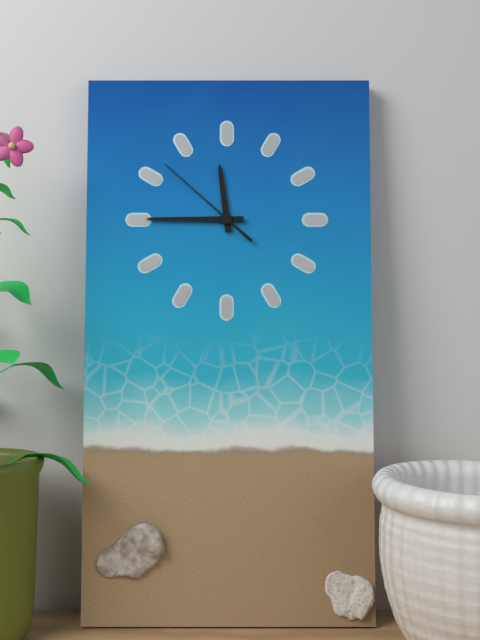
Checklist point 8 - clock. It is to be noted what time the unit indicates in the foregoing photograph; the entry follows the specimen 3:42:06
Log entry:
11:45:52
